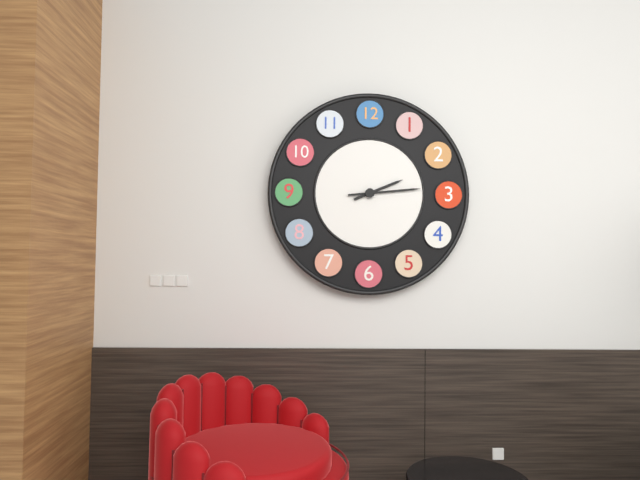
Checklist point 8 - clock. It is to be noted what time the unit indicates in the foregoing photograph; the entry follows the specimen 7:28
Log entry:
2:14
